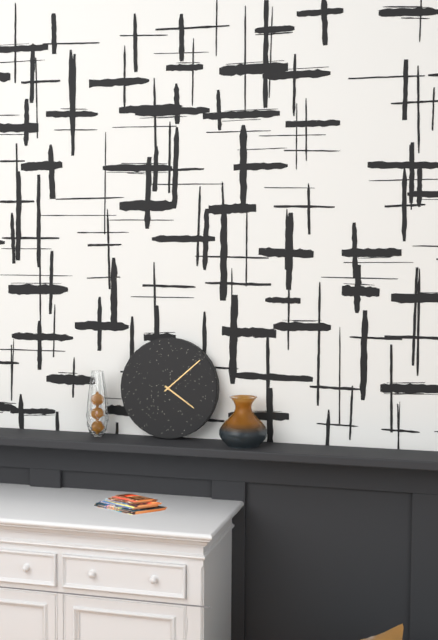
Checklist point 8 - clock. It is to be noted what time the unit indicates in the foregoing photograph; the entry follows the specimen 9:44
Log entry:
4:08
